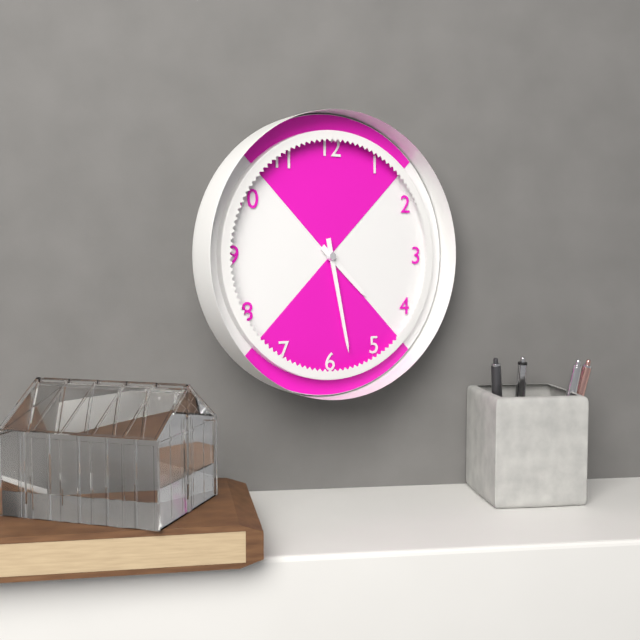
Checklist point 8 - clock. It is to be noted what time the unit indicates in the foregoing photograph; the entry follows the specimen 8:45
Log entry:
4:28
